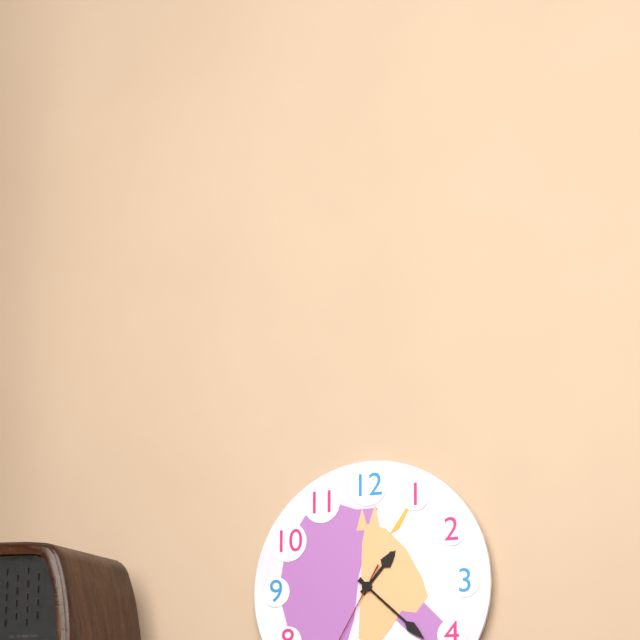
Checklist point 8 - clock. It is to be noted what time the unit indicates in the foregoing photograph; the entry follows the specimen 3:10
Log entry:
1:22
